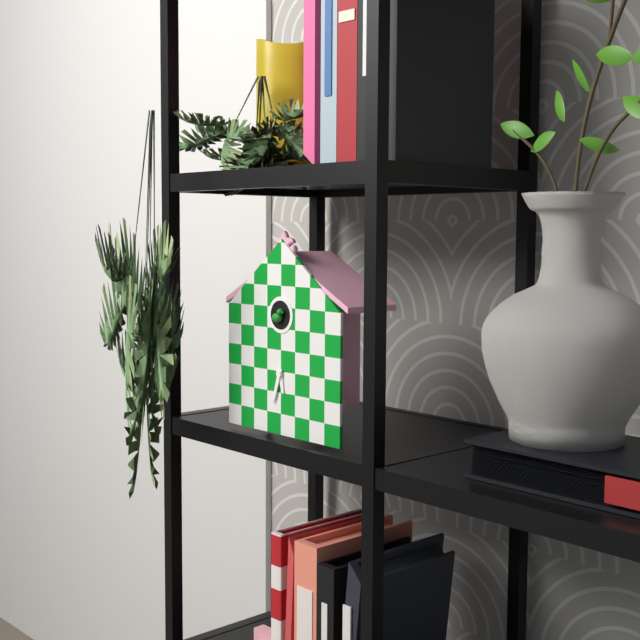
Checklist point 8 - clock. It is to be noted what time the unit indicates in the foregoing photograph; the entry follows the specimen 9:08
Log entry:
5:33
